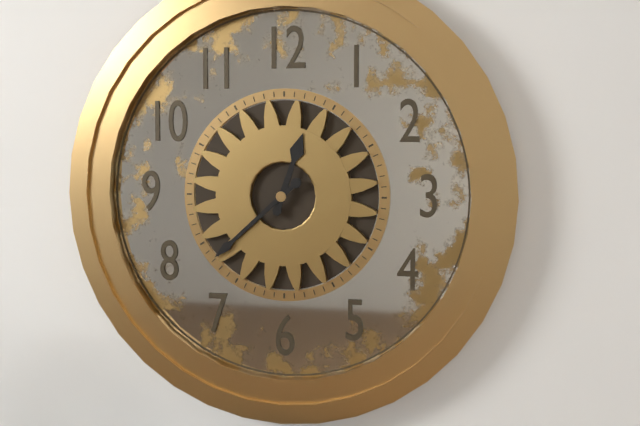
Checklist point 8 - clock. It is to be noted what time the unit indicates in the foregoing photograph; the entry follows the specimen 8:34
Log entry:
12:38
